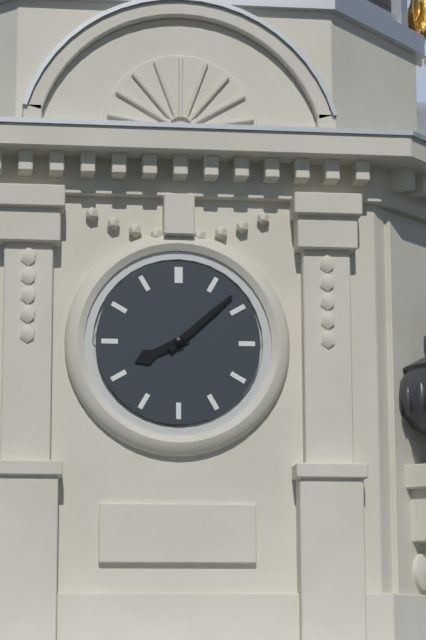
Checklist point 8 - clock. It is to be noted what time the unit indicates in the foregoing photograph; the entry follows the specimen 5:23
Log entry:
8:08
